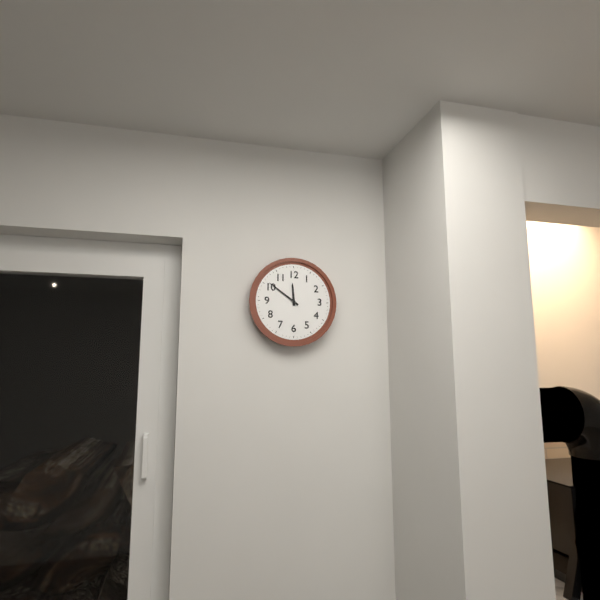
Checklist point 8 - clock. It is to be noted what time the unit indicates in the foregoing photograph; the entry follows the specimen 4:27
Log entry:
11:51
